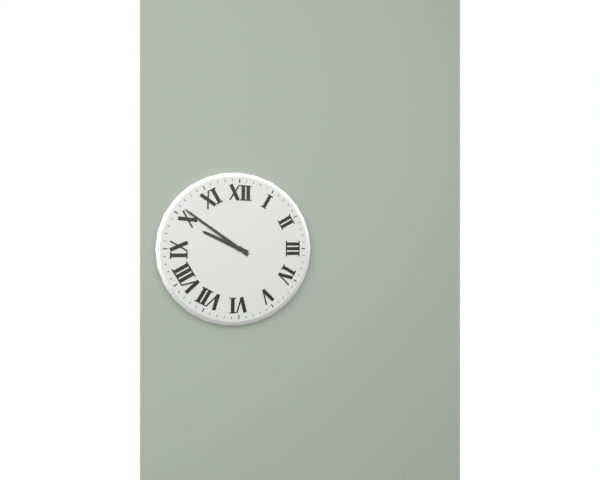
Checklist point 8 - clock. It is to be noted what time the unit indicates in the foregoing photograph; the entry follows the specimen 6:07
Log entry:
9:51
